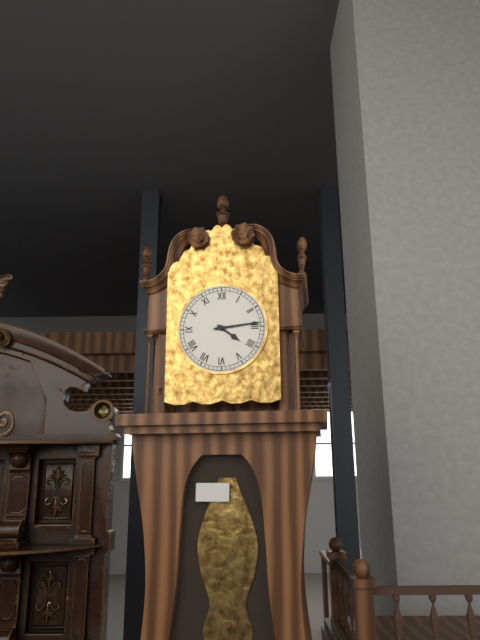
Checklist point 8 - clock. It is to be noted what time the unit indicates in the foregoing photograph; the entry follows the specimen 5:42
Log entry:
4:14
